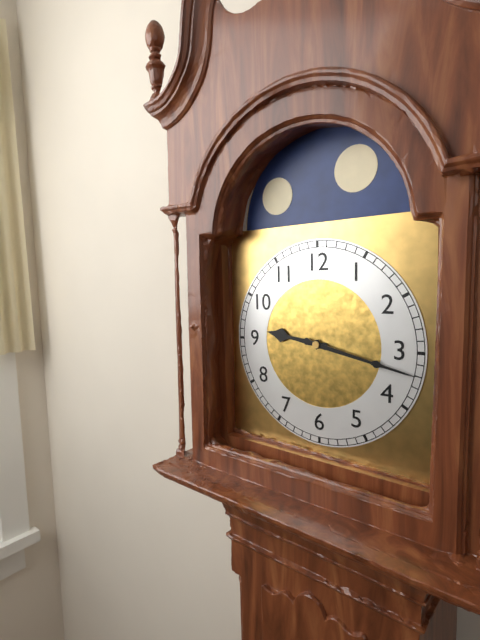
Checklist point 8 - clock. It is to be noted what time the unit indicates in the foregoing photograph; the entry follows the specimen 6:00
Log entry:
9:17
